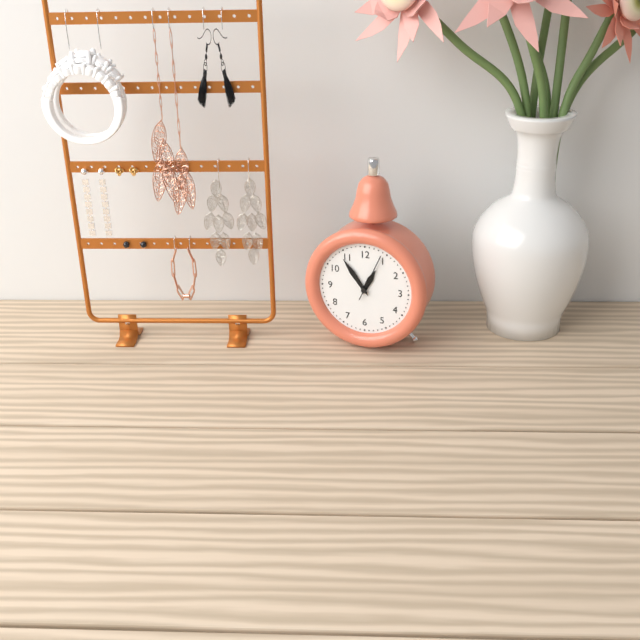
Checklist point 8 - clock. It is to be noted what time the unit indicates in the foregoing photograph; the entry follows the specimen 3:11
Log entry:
12:54
